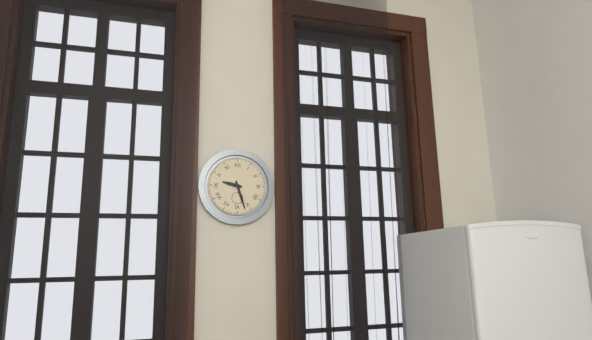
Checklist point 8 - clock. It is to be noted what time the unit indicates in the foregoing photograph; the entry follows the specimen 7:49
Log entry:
9:27
